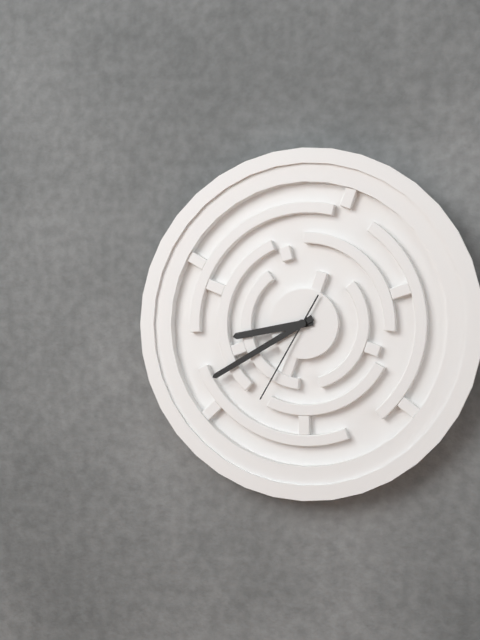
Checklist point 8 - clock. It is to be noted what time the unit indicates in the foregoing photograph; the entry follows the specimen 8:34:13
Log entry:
8:40:35
